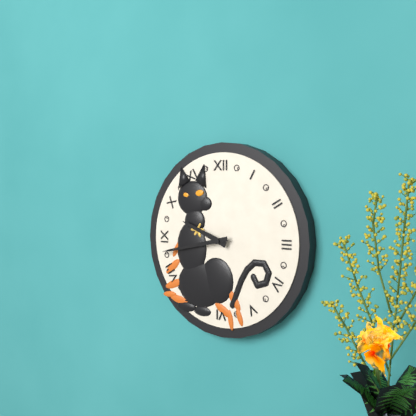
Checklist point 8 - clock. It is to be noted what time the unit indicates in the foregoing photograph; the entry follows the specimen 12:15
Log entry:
9:43
